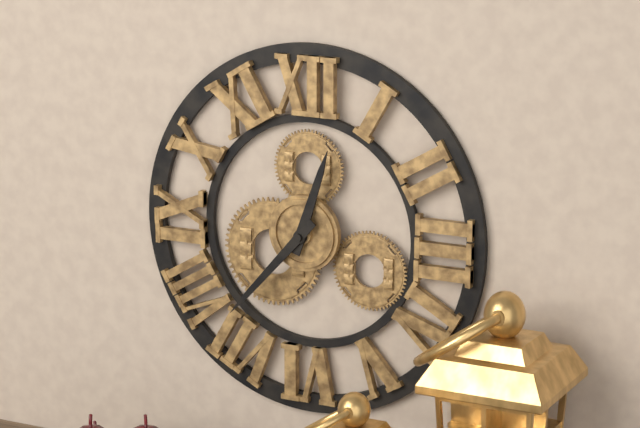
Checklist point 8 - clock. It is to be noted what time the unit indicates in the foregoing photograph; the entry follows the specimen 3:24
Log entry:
12:37
